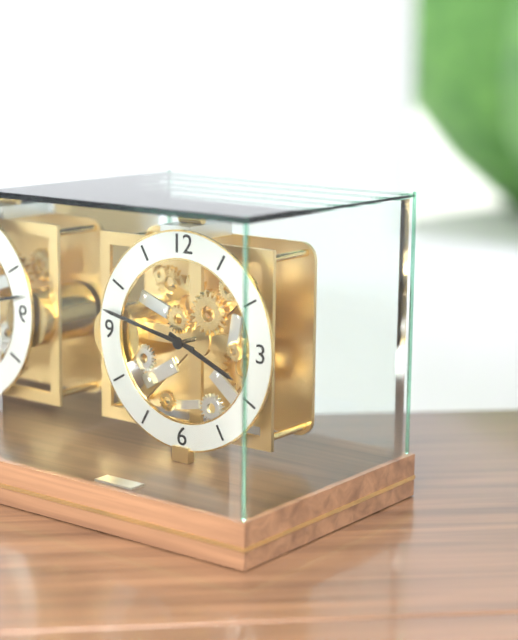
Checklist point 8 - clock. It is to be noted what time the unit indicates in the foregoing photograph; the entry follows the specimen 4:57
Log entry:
3:47
